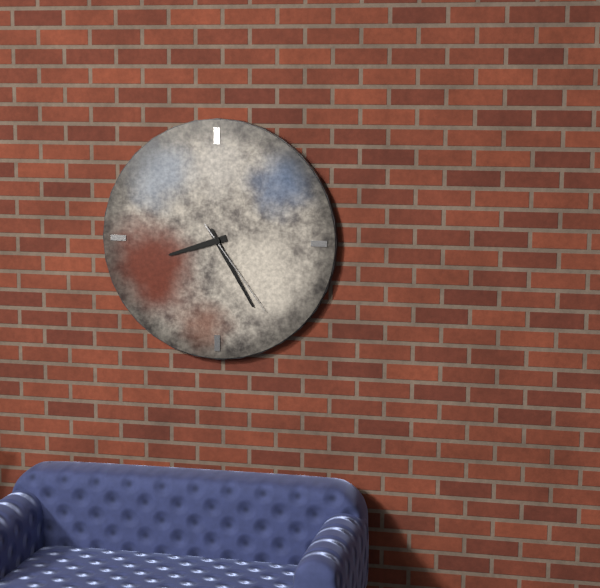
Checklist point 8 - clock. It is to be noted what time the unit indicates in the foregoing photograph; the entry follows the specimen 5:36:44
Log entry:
8:25:24
